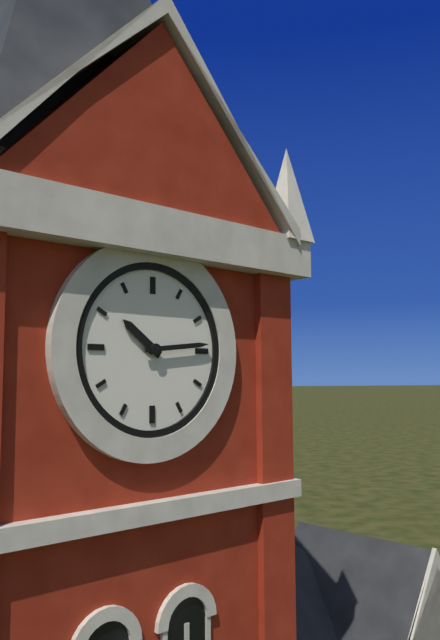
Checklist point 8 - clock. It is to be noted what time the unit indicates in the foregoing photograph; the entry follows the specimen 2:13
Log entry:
10:14
